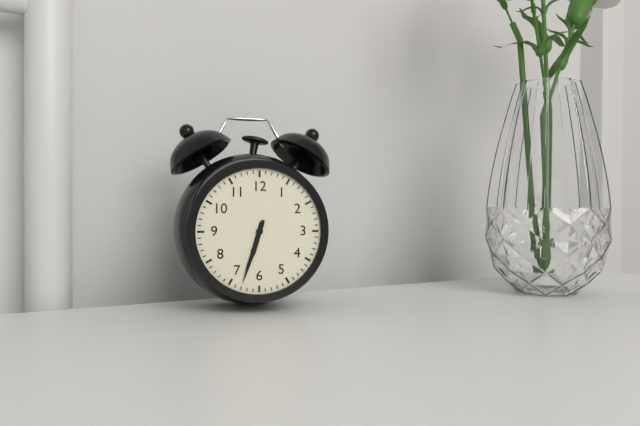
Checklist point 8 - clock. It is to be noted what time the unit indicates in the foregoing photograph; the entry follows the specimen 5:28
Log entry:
6:33
